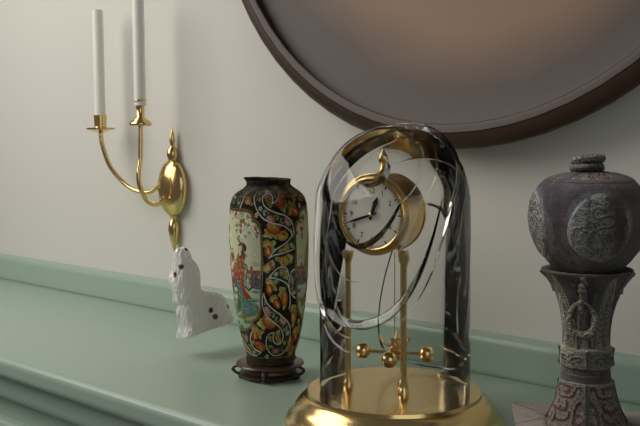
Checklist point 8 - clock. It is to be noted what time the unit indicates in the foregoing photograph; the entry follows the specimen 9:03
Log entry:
12:42
